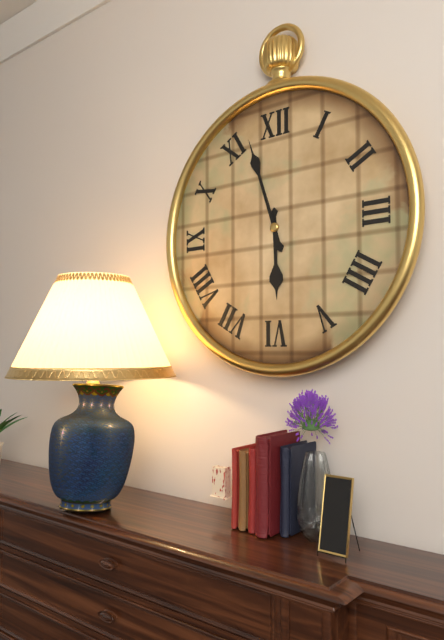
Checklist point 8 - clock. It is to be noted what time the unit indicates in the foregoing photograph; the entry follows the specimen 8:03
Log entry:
5:57
